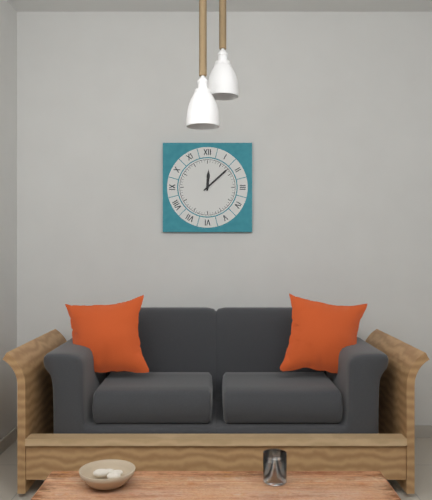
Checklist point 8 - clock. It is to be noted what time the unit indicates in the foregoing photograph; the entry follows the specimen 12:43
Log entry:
12:08
